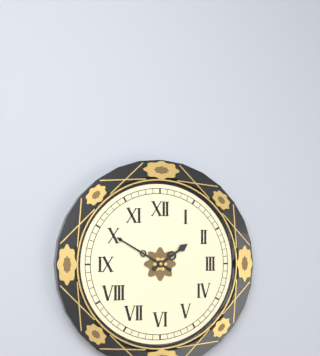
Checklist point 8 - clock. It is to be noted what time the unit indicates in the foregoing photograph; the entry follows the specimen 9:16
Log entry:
1:50
